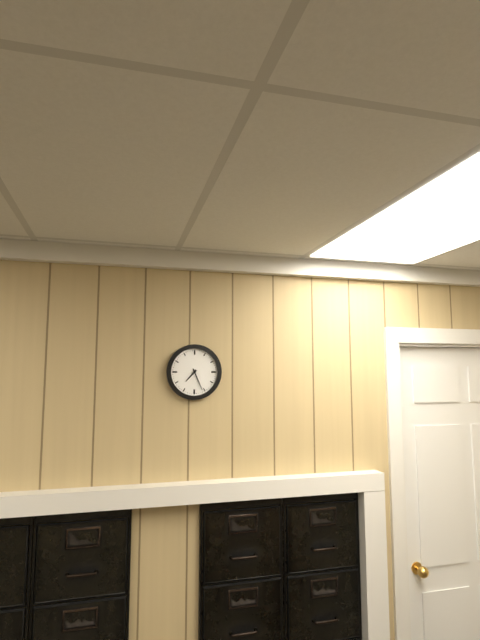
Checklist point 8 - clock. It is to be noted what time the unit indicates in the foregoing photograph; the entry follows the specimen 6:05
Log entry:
7:26
